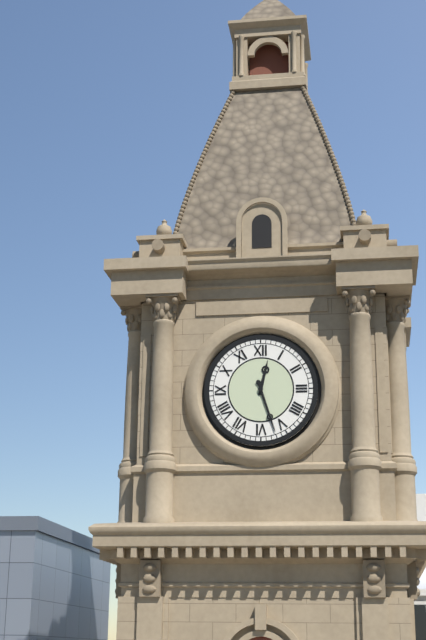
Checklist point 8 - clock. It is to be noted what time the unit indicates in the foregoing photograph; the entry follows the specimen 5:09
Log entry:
12:27
